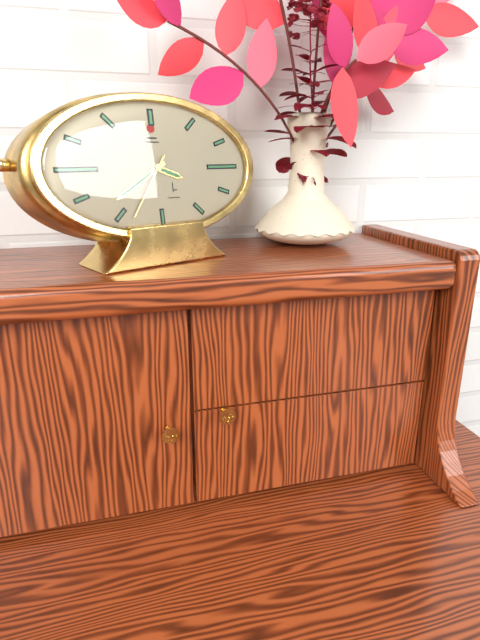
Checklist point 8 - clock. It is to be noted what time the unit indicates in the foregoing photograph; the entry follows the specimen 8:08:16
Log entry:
3:40:36
